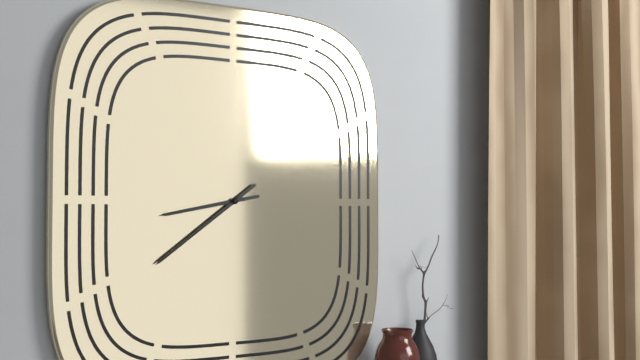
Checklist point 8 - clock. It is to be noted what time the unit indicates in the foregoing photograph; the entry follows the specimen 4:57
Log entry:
8:39
